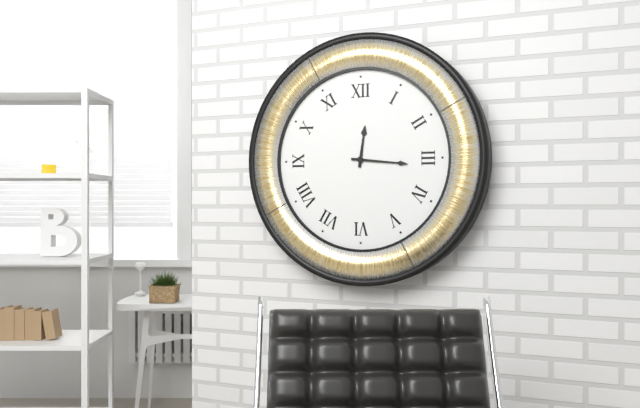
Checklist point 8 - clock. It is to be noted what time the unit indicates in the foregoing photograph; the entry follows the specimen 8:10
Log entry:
12:16
